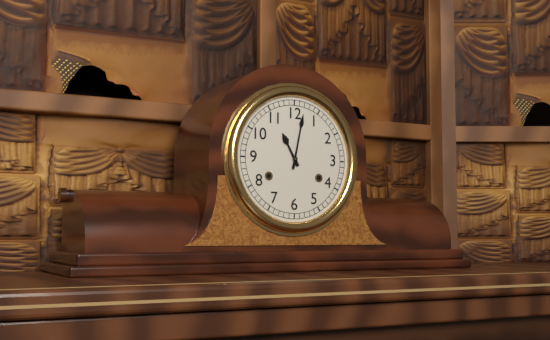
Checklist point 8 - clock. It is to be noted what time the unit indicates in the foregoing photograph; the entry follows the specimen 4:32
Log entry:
11:02
